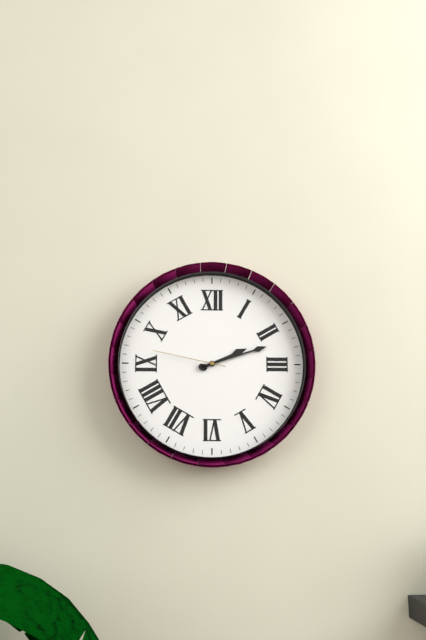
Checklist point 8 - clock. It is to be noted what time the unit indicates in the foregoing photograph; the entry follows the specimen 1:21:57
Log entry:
2:12:47
